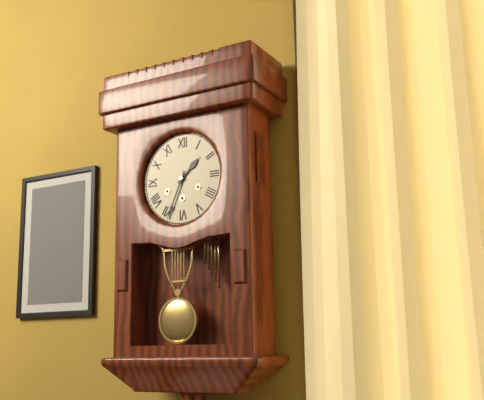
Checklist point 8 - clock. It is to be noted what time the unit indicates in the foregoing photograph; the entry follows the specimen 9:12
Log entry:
1:34
